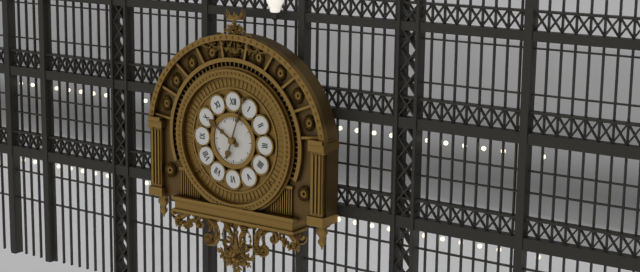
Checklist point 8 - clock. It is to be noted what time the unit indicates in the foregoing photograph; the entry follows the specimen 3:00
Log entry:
10:03
